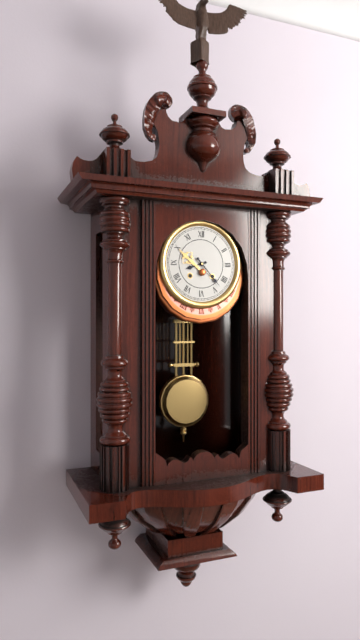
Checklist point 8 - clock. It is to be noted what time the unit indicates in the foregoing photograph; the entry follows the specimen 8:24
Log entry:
8:23
